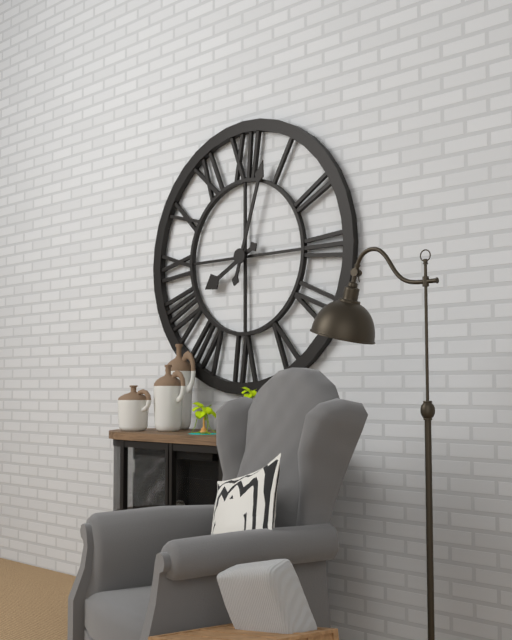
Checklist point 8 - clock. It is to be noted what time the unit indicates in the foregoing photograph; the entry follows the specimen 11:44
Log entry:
8:03
